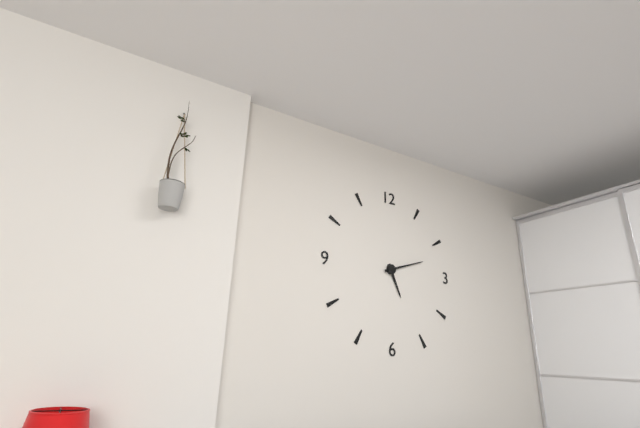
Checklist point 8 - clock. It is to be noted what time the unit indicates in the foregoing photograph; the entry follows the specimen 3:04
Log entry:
5:12
